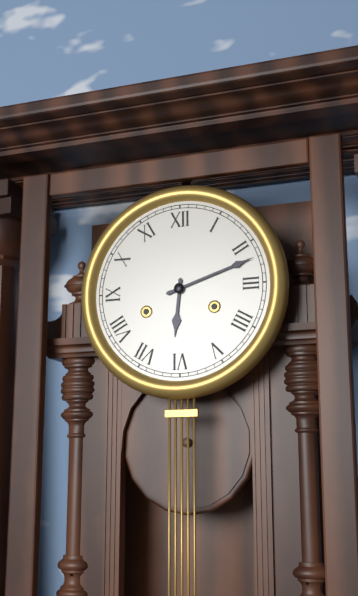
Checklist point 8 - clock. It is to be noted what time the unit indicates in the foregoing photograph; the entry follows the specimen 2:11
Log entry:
6:12
